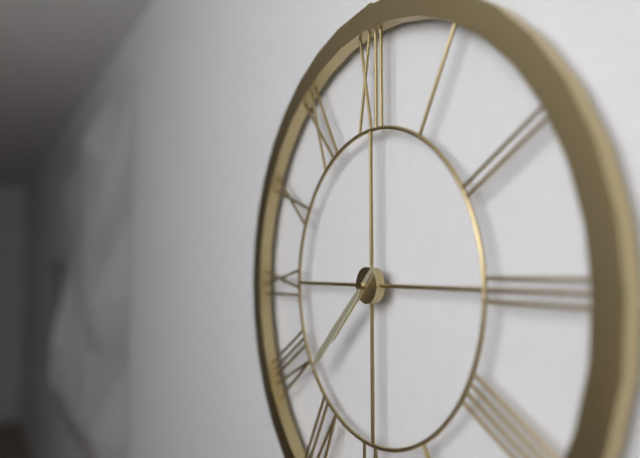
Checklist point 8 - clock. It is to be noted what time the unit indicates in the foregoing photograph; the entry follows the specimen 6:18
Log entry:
7:38
